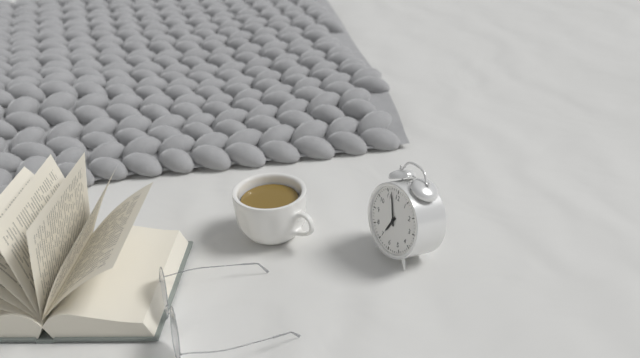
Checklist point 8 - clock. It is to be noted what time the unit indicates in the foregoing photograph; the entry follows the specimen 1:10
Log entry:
6:57
